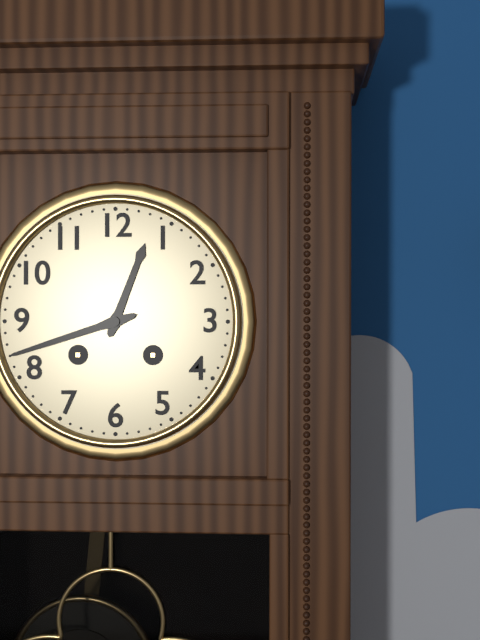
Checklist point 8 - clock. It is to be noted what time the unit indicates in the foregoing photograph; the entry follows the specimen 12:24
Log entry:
12:42
